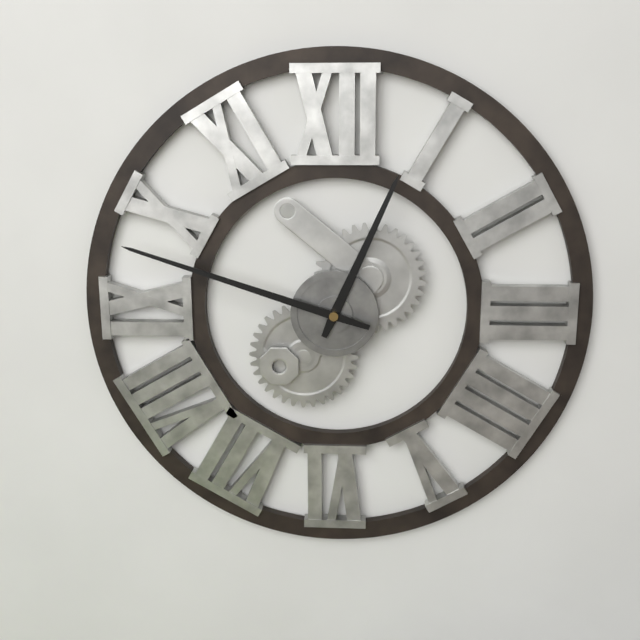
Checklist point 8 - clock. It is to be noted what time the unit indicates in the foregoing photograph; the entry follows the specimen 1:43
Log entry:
12:48
